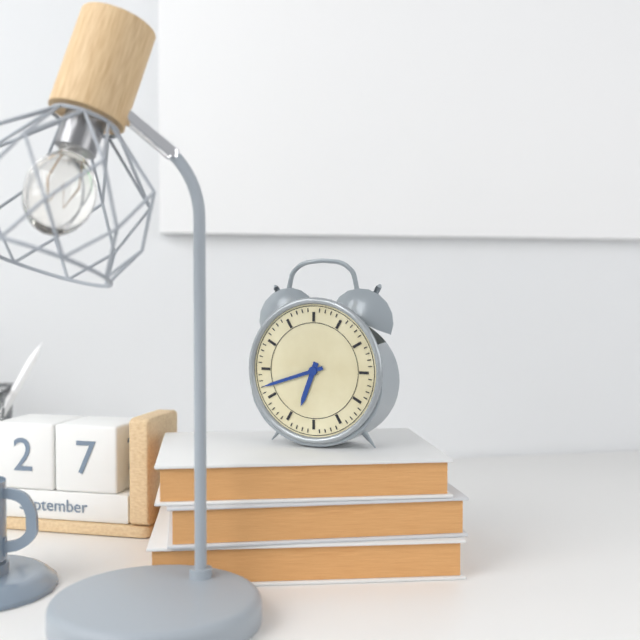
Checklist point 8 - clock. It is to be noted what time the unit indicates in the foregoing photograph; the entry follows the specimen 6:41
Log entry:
6:42
